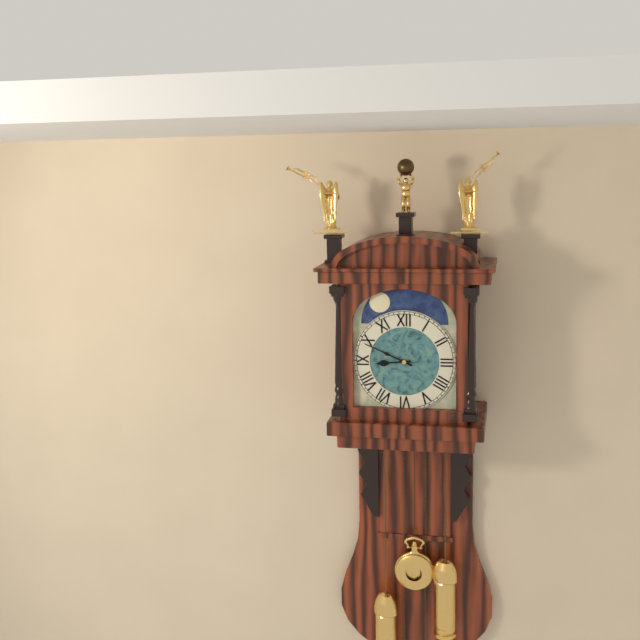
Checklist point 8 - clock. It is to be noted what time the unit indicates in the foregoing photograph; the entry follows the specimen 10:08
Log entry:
8:49
